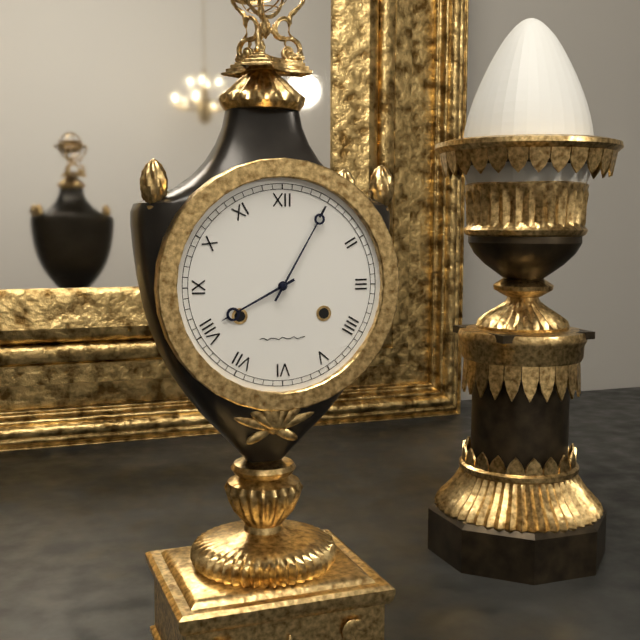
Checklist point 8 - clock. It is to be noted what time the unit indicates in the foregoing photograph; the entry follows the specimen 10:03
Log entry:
8:05
